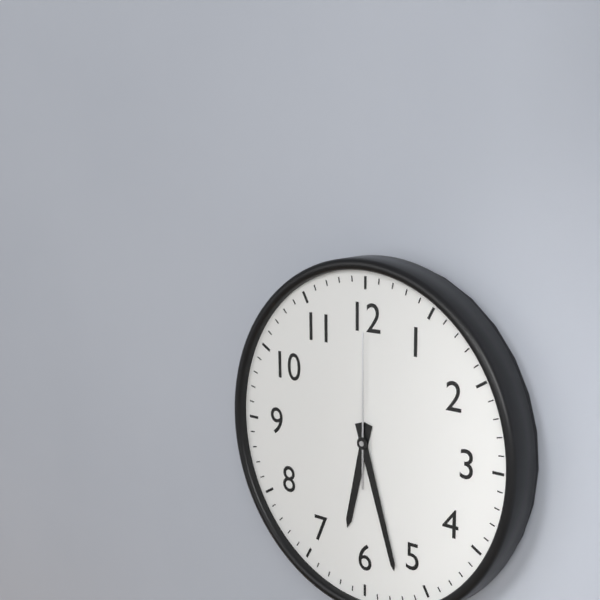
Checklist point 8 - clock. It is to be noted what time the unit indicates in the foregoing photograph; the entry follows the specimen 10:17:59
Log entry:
6:27:00
